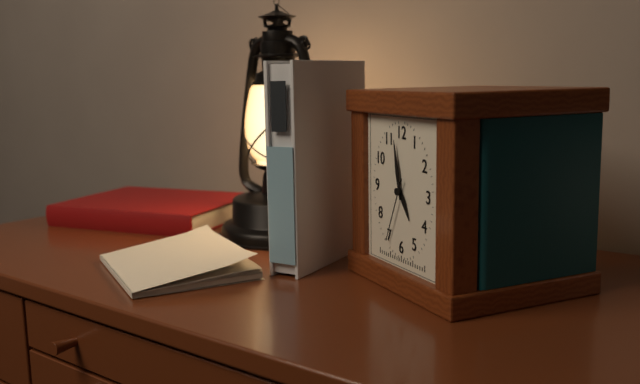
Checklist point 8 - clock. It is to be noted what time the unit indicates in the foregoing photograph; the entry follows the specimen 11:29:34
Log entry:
4:58:34
